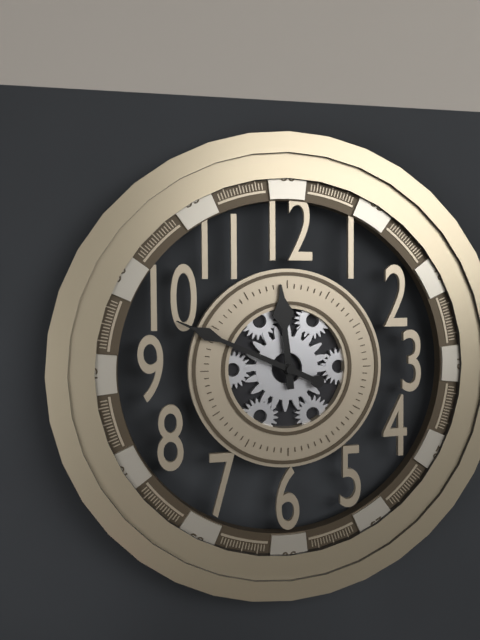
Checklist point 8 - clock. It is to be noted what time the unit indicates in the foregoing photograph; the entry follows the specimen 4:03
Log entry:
11:49
